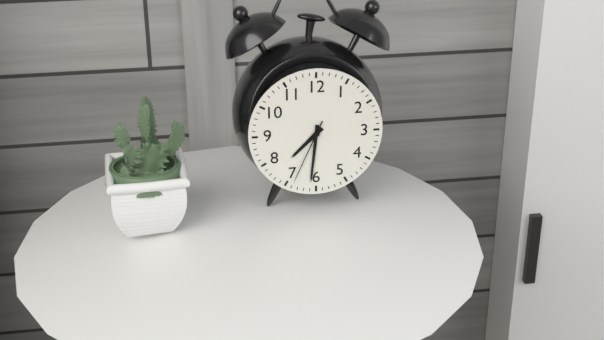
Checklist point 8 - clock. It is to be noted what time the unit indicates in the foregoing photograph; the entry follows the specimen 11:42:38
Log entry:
7:31:34
